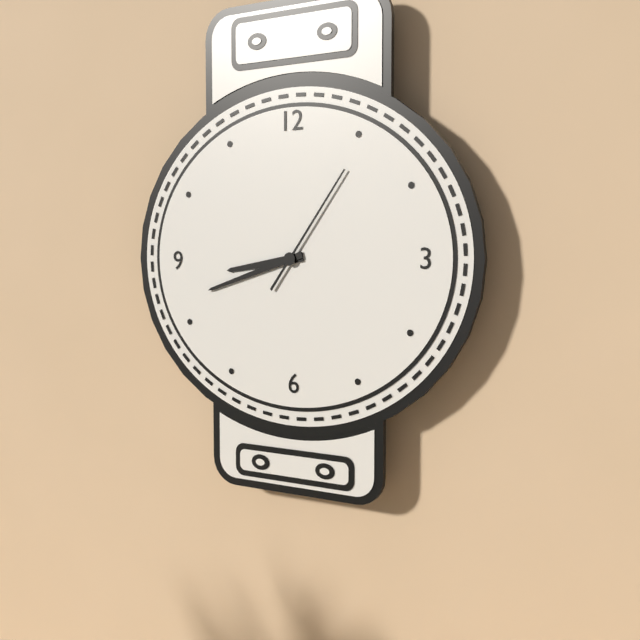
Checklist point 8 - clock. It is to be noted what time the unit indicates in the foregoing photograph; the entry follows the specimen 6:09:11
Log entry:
8:42:06
